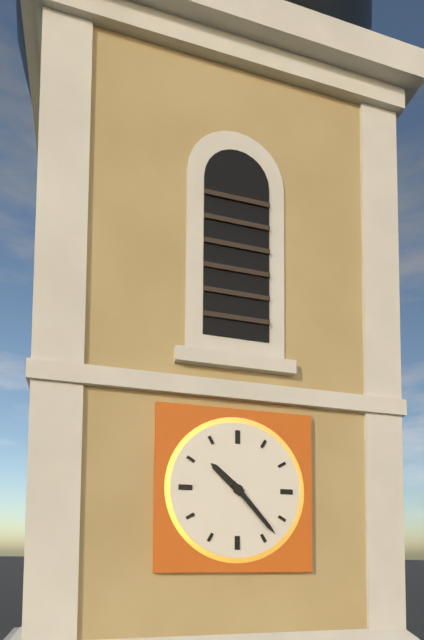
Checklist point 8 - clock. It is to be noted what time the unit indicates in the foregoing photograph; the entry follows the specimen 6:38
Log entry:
10:23
